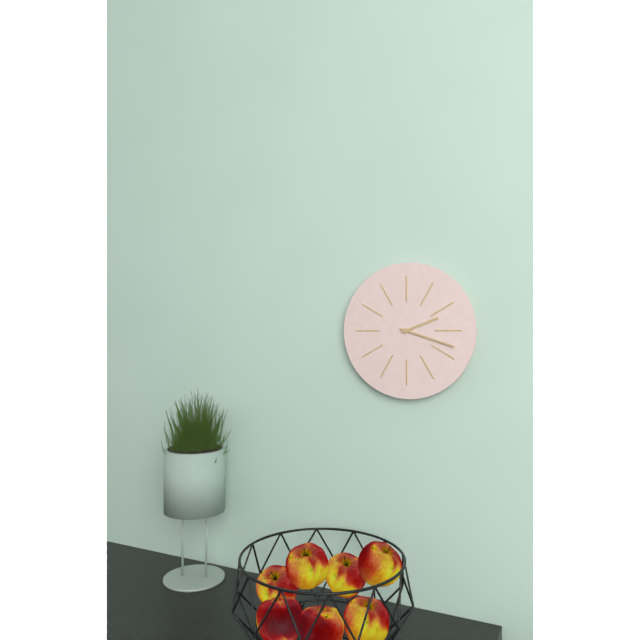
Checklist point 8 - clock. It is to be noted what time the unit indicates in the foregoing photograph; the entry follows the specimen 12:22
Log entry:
2:18
